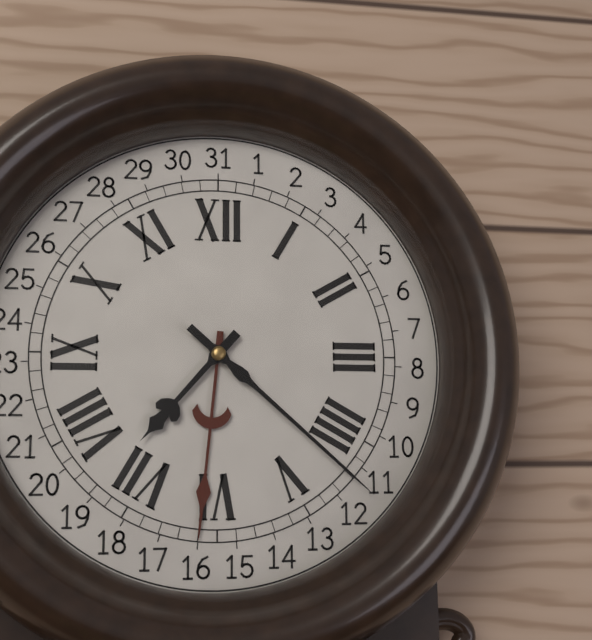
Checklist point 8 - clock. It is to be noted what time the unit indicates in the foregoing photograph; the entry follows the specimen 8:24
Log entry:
7:22
